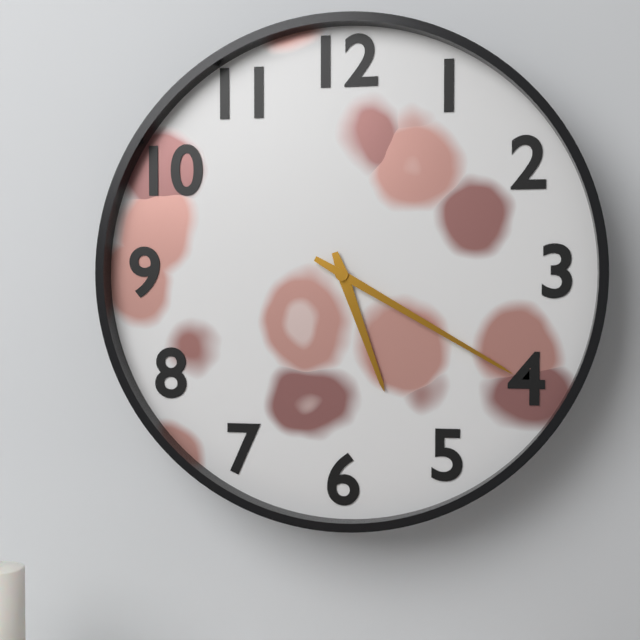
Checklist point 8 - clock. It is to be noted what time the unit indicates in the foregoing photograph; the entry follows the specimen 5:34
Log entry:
5:20
